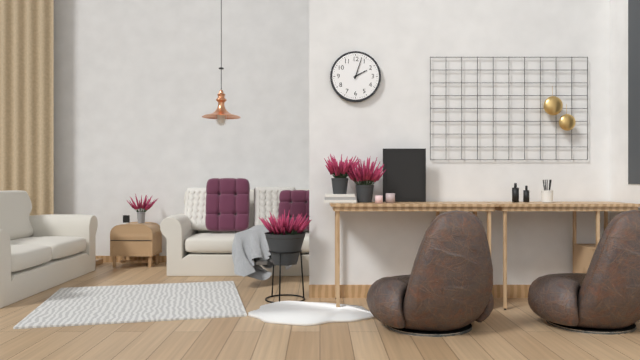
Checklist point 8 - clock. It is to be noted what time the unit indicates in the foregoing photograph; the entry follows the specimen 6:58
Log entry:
2:03
